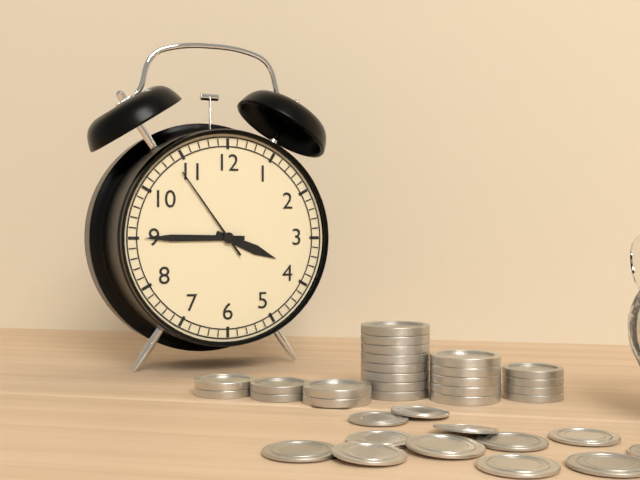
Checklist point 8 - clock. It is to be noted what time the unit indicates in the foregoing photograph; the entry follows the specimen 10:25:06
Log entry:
3:45:54
